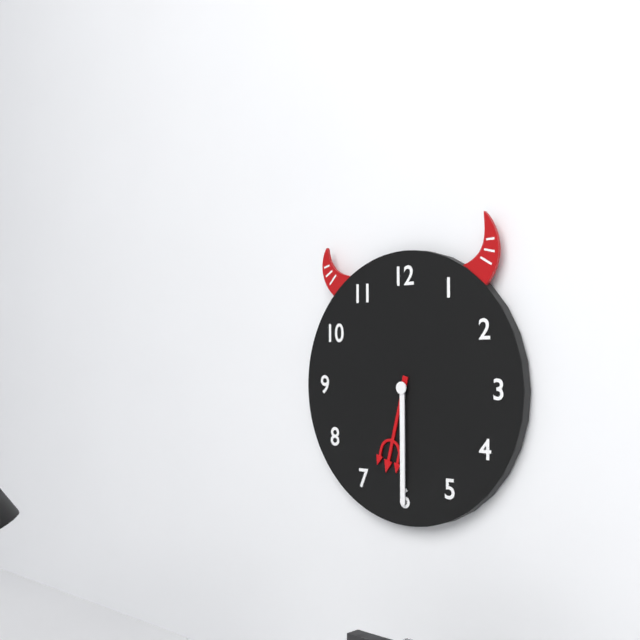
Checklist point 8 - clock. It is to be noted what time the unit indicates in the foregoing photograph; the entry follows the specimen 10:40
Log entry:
6:30
